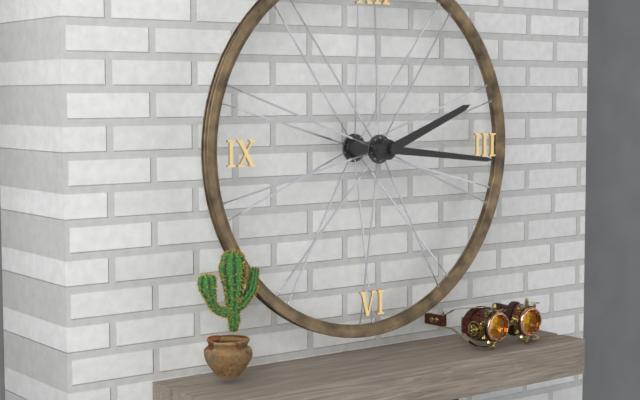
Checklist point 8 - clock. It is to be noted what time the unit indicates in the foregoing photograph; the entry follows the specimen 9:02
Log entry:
2:16
